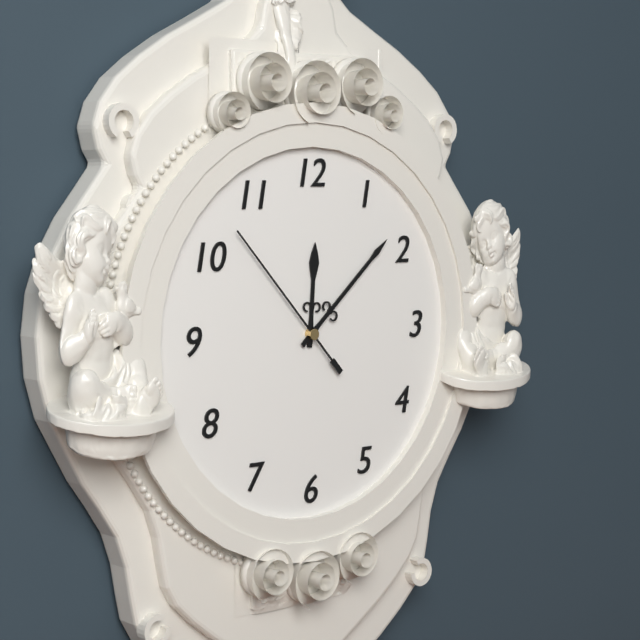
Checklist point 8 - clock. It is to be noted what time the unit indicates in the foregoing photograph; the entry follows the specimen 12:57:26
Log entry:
12:08:53
